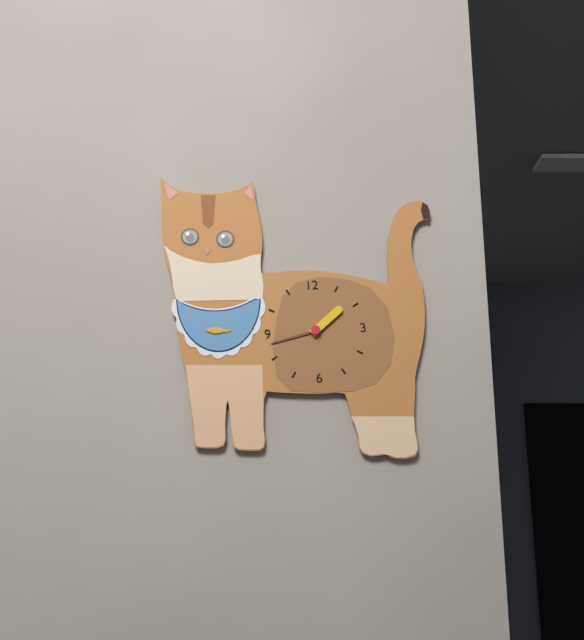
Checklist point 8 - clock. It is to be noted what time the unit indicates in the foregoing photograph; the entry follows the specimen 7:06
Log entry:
1:43
